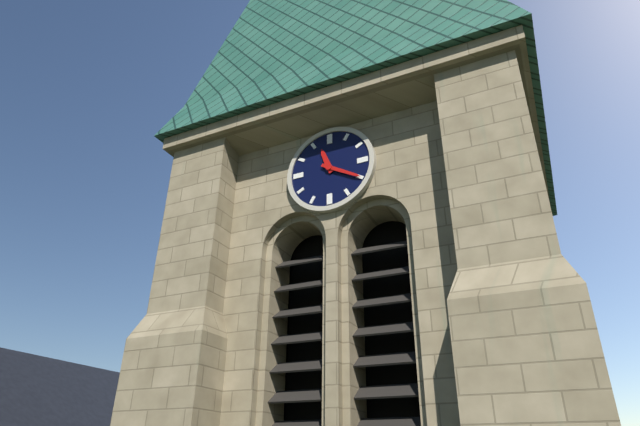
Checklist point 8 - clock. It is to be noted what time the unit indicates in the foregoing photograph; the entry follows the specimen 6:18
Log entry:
11:20
